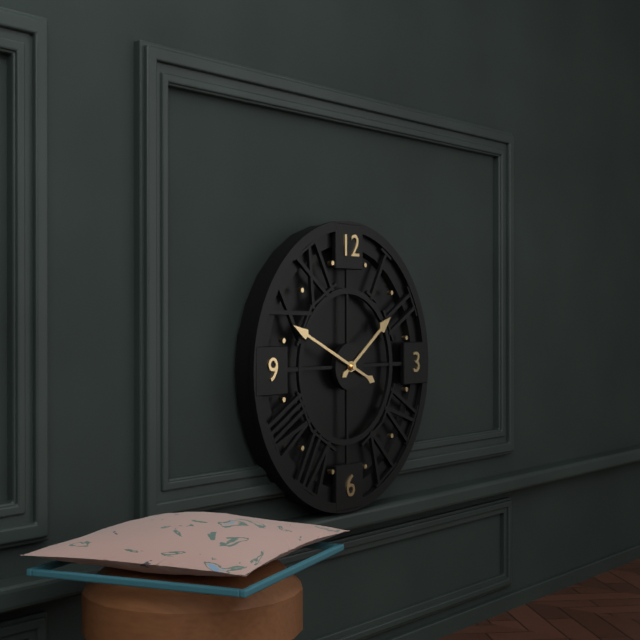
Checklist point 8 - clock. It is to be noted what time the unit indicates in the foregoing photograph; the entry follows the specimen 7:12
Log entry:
1:49
